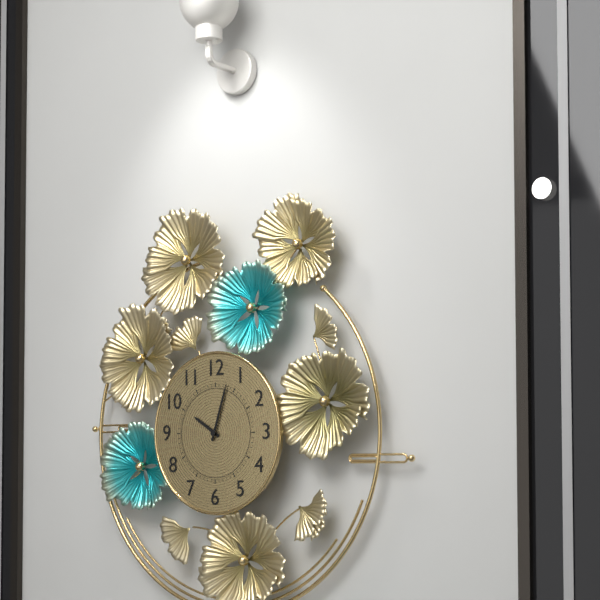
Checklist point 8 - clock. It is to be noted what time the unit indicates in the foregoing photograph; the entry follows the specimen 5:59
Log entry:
10:03
